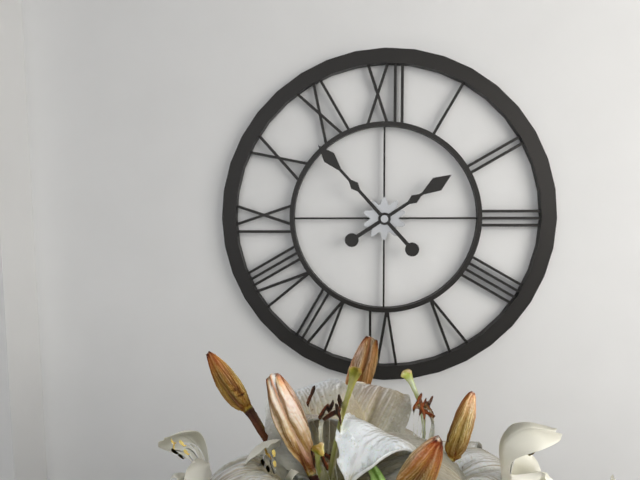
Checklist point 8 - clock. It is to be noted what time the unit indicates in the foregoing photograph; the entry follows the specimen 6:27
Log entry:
1:53
